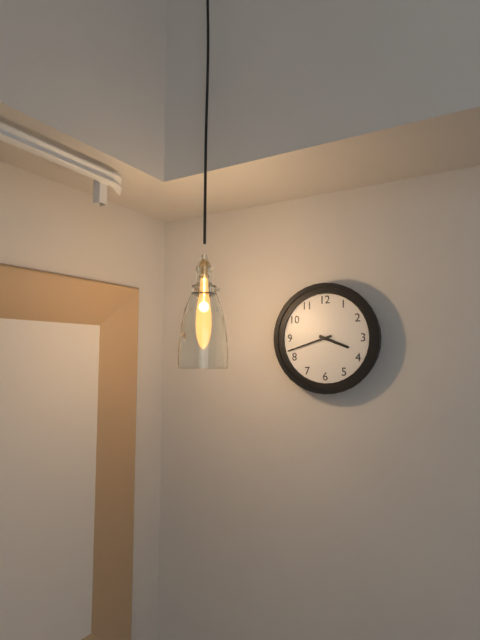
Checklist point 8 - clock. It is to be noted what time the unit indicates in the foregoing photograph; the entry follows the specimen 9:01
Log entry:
3:42
